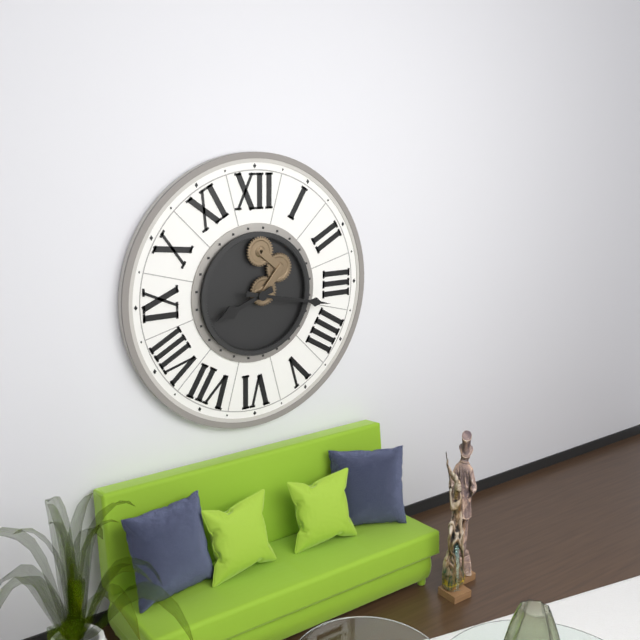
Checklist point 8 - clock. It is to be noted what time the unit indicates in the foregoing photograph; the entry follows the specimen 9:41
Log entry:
8:17
